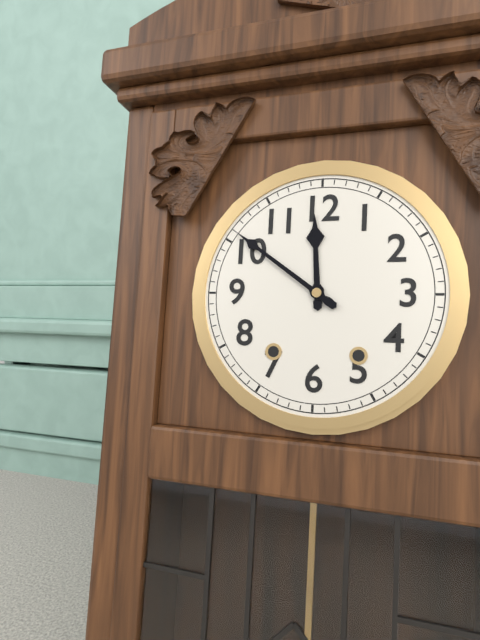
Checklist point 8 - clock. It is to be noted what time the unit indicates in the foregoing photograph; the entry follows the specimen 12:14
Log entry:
11:51
